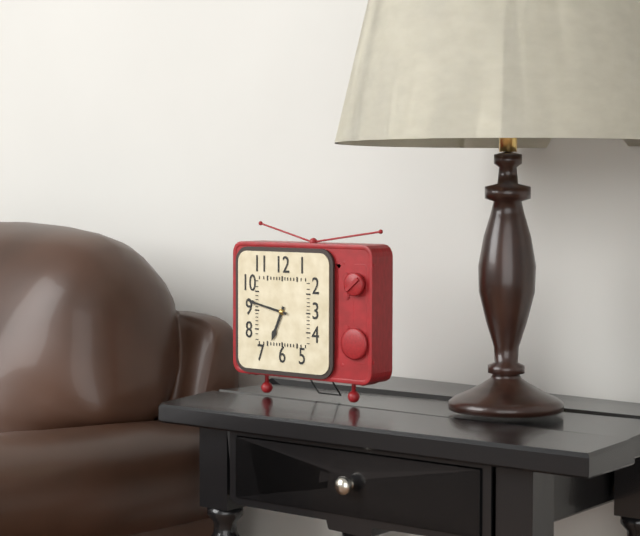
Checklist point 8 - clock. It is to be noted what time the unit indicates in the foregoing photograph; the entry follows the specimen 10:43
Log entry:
6:47
